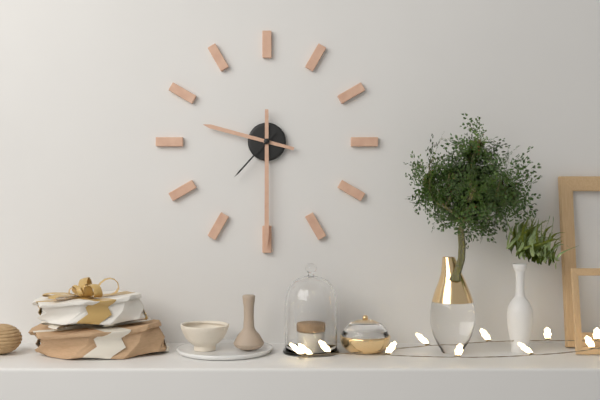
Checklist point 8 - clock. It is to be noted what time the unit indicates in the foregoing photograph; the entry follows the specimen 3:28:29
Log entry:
9:30:37
